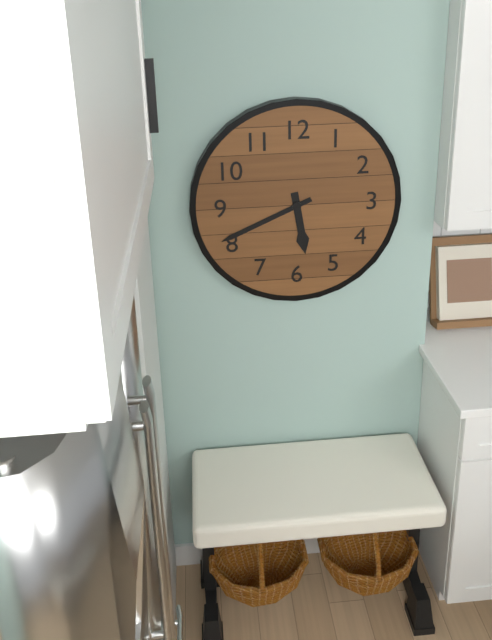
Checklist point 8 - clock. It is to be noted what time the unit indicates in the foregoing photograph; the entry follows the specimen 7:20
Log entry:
5:41
